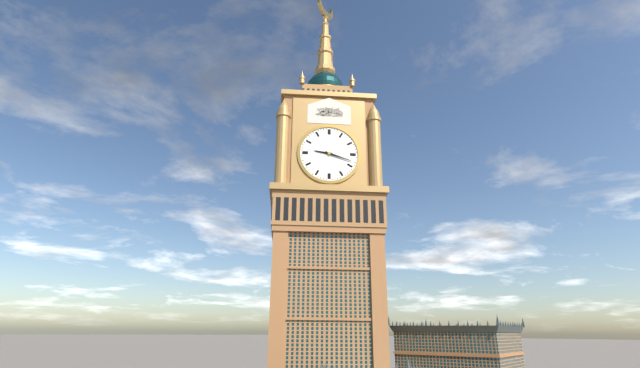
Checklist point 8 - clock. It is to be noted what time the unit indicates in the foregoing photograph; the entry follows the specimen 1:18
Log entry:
9:18
